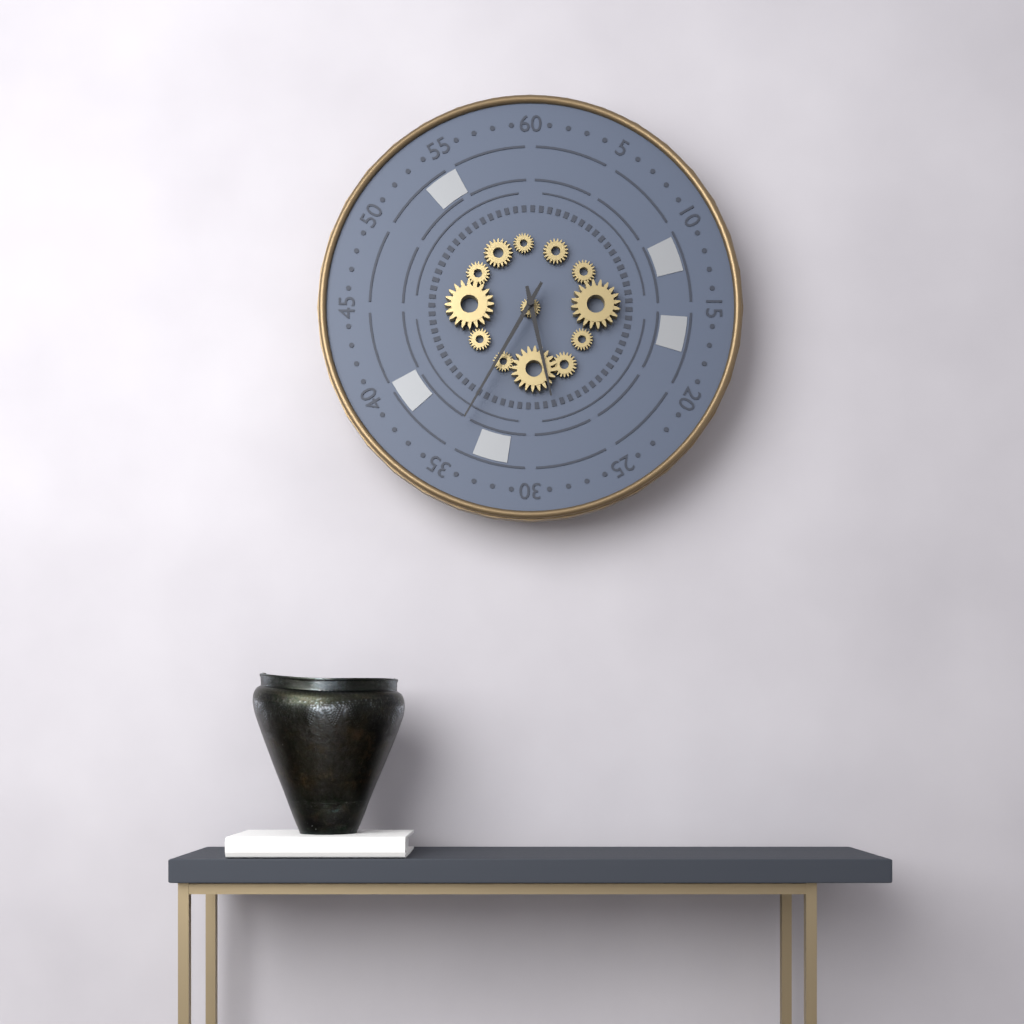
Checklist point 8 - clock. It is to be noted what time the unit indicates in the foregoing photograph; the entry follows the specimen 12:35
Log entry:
5:35
